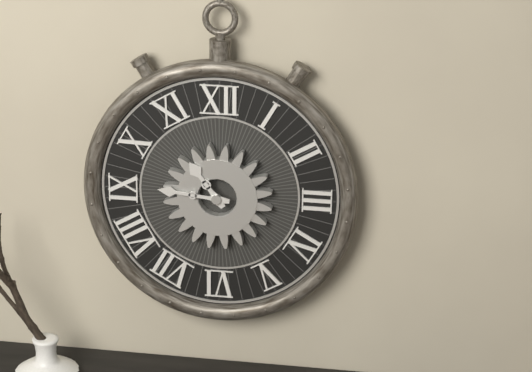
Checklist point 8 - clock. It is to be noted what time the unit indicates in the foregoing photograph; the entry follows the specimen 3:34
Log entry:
10:46
